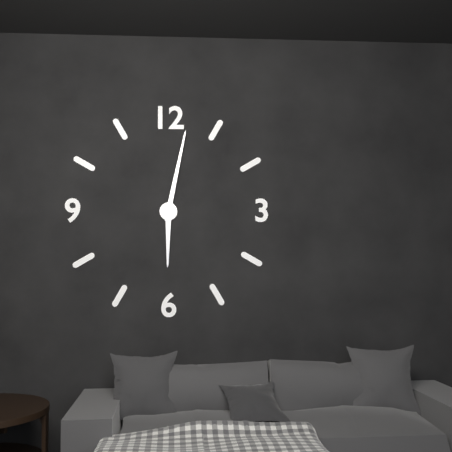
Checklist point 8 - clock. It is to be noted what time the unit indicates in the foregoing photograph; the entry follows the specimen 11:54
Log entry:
6:02
